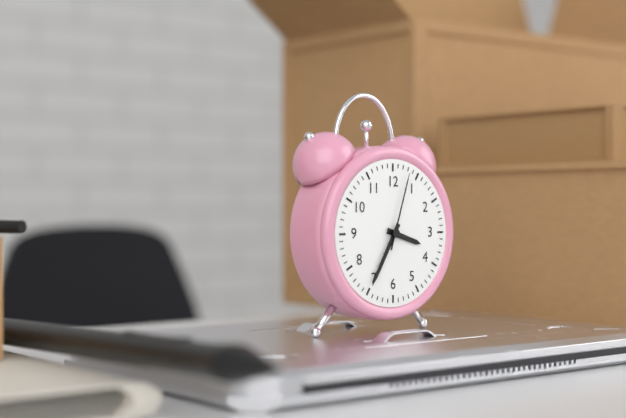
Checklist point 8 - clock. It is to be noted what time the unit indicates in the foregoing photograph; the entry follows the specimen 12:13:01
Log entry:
3:35:03
